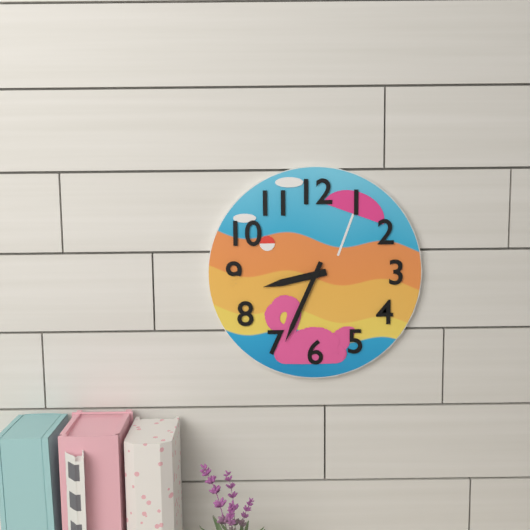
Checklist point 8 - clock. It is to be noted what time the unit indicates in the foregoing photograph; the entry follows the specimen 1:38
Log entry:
8:34
